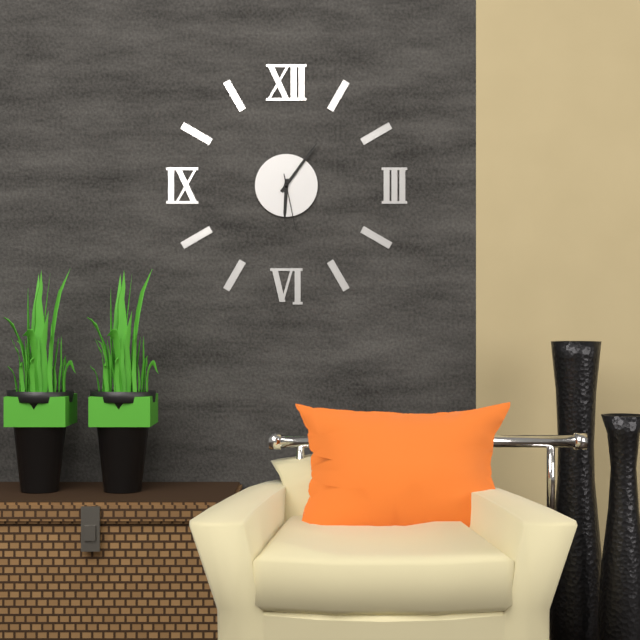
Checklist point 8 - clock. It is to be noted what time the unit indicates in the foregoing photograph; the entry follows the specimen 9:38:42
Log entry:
6:06:28
